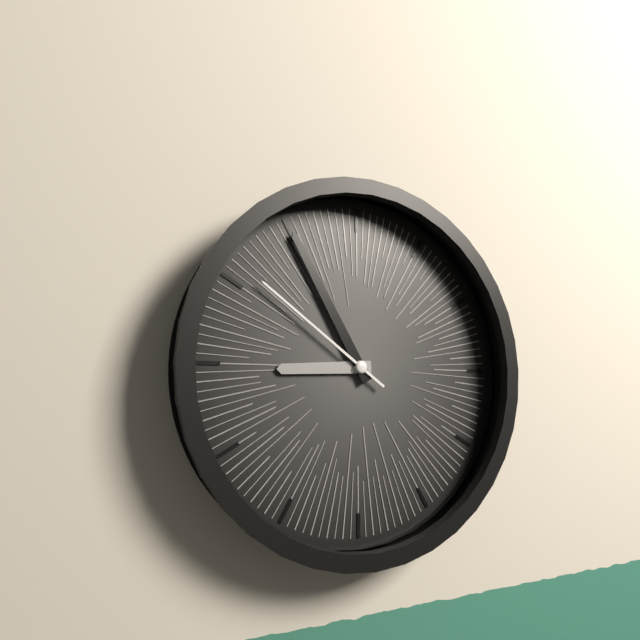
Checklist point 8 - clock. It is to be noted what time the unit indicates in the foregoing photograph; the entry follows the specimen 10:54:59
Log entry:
8:55:51
